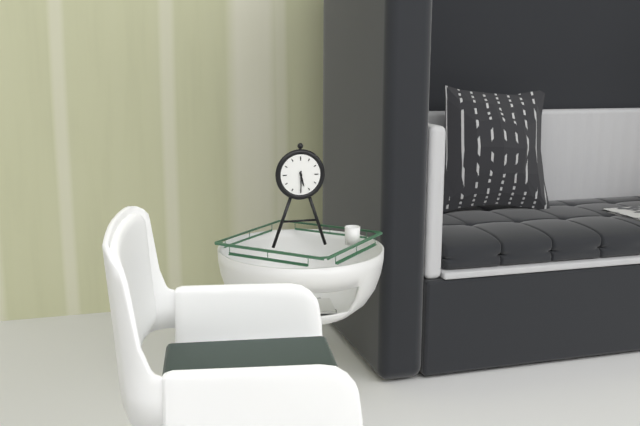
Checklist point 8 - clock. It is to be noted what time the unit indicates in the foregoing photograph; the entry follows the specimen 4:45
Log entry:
5:30
